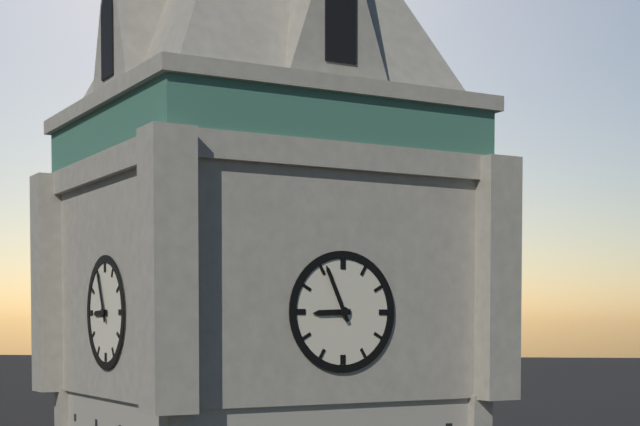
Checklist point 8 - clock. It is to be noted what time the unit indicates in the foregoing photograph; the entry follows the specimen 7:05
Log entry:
8:56
